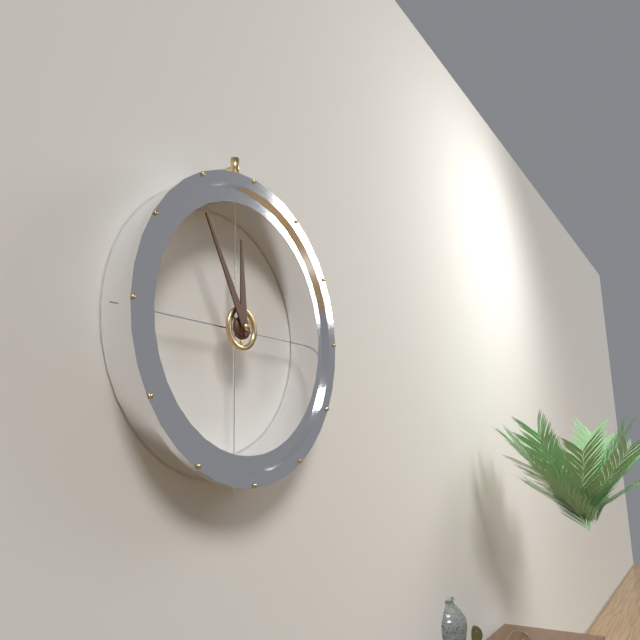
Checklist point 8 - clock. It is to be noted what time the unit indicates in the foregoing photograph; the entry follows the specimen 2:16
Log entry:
11:55
